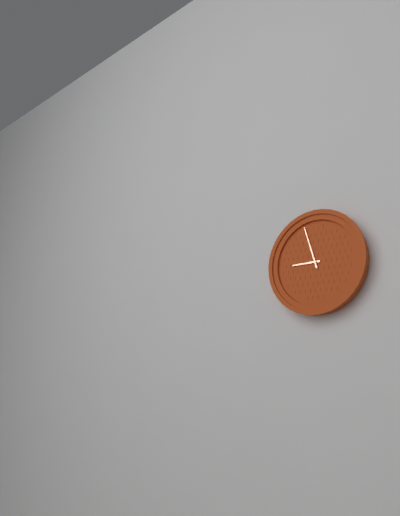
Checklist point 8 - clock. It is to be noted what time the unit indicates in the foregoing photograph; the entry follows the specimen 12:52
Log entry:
8:57
